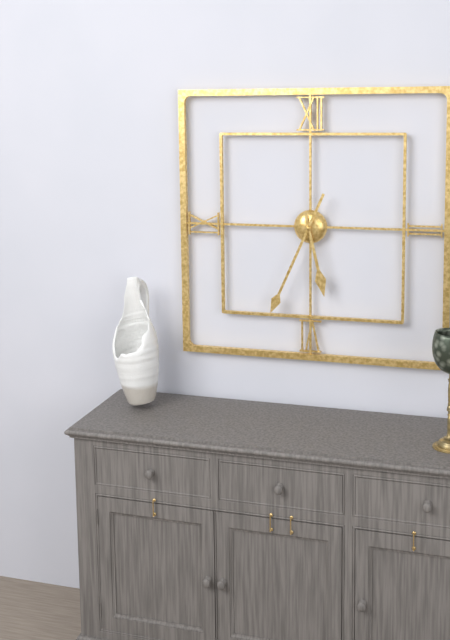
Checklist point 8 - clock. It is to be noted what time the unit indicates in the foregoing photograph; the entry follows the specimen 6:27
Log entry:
5:34
